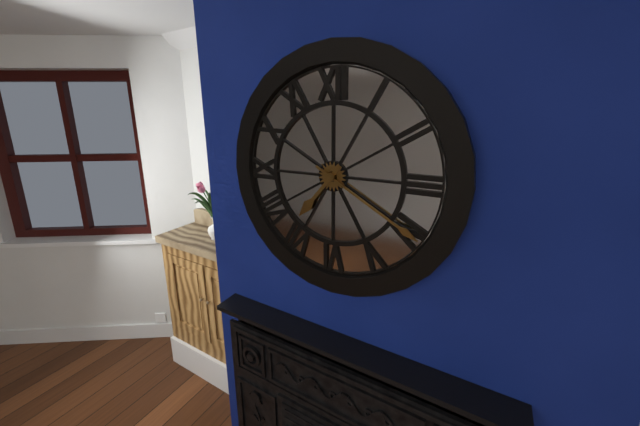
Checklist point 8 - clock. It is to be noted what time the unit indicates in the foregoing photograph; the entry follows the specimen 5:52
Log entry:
7:20
